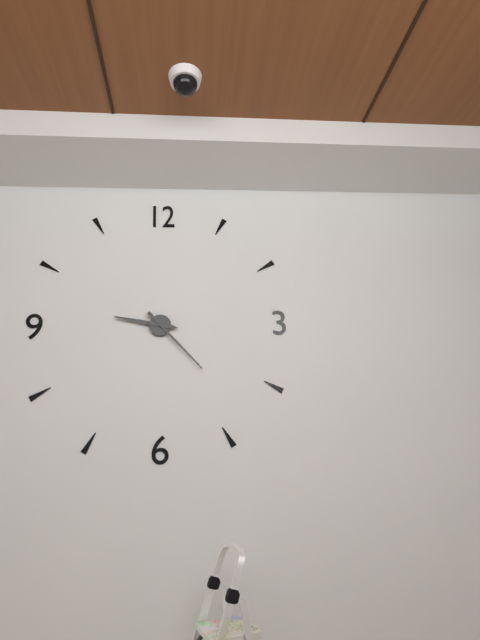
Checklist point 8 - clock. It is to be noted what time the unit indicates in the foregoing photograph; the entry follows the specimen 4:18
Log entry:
9:23
